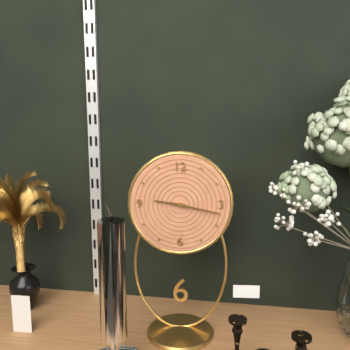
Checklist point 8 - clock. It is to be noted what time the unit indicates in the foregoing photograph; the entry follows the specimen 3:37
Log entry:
9:17
